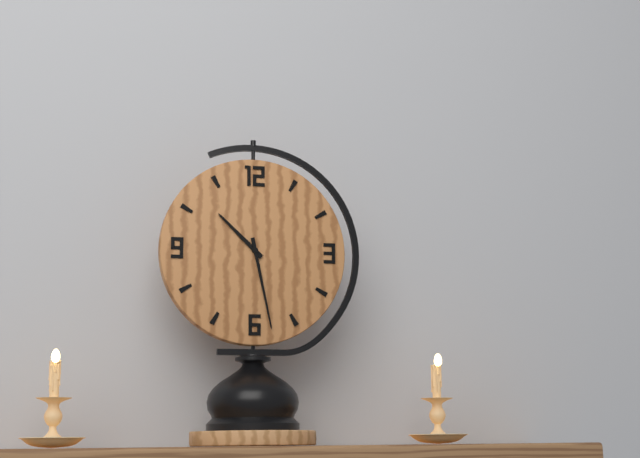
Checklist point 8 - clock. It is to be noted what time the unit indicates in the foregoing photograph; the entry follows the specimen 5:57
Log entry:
10:28
